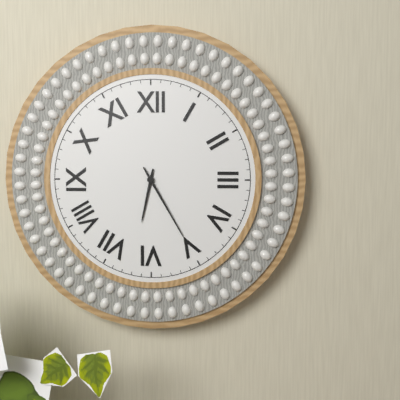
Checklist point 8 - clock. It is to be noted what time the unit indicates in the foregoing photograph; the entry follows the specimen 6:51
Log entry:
6:25
